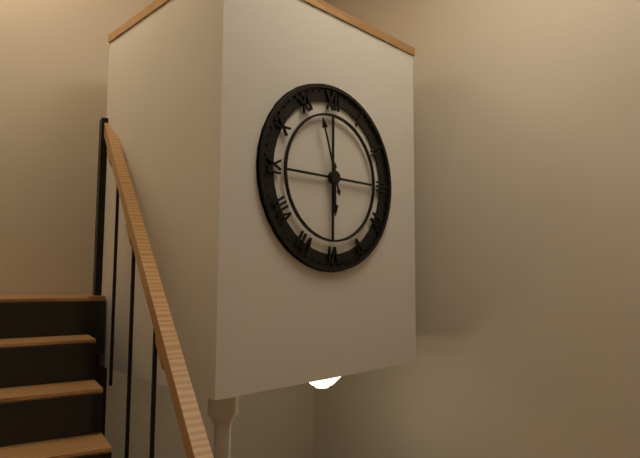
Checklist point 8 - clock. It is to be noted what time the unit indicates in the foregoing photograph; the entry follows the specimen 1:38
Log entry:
5:57
